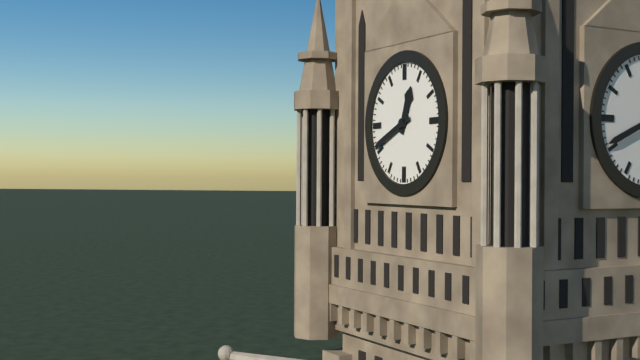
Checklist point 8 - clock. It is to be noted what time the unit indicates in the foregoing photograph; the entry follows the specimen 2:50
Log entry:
12:41
